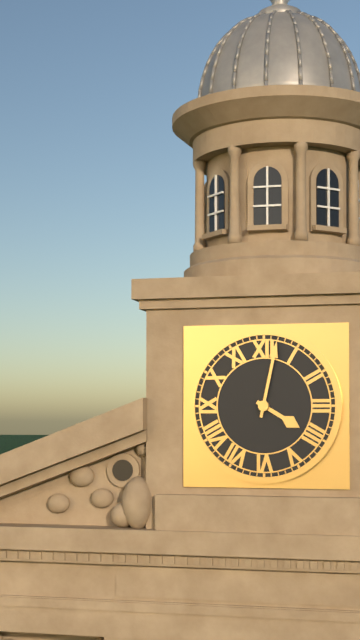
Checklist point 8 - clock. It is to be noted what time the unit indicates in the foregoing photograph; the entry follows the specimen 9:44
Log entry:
4:02
